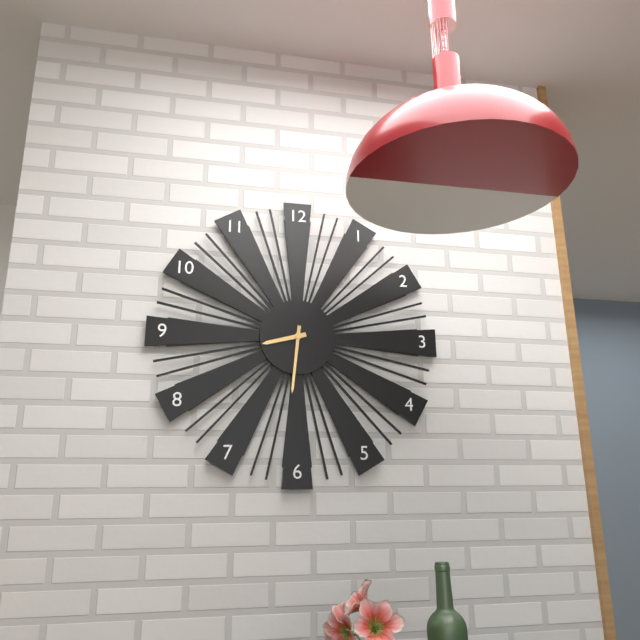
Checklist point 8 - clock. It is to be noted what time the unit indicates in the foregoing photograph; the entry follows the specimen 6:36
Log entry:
8:31
